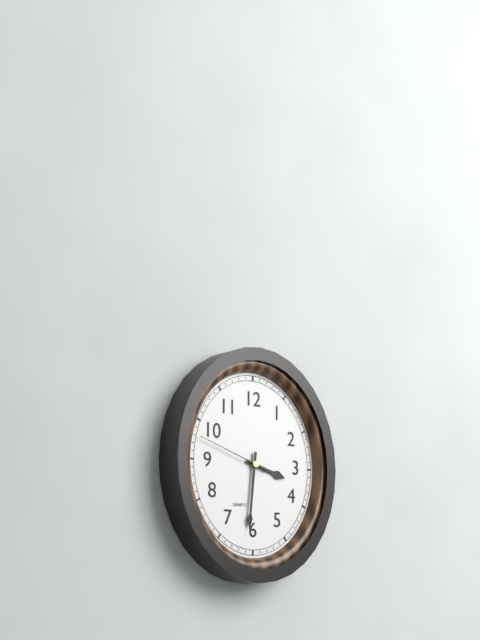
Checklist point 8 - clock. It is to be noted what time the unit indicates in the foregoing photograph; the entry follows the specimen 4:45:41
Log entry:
3:31:48
